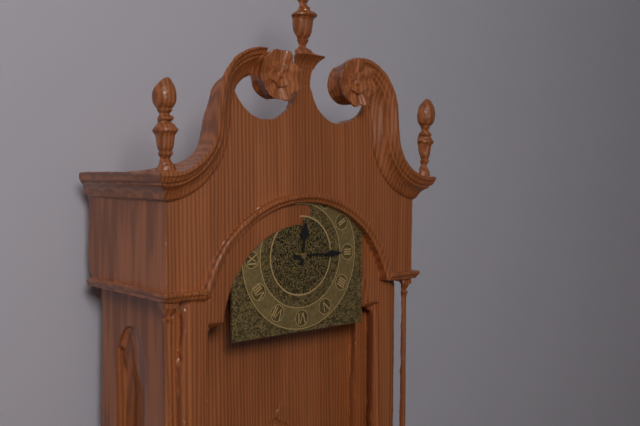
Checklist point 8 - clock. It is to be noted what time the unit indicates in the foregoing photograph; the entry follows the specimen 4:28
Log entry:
12:15
